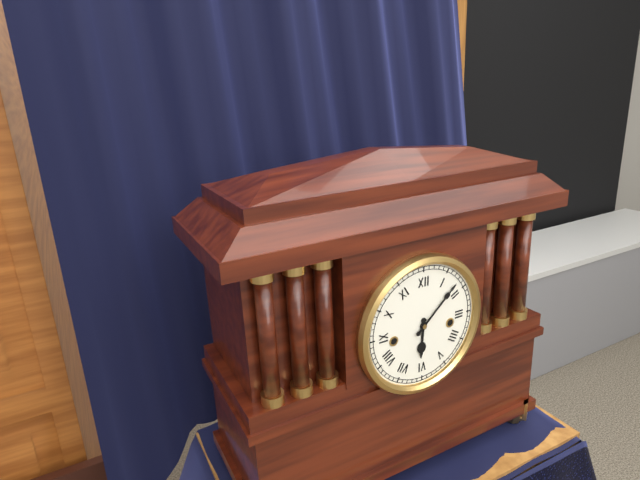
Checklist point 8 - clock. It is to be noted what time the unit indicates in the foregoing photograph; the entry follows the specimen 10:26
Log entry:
6:08
